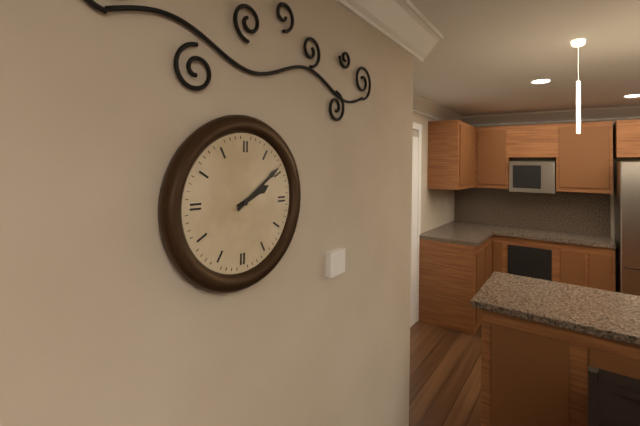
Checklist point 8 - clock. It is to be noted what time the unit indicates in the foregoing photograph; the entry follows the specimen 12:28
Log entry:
2:09
